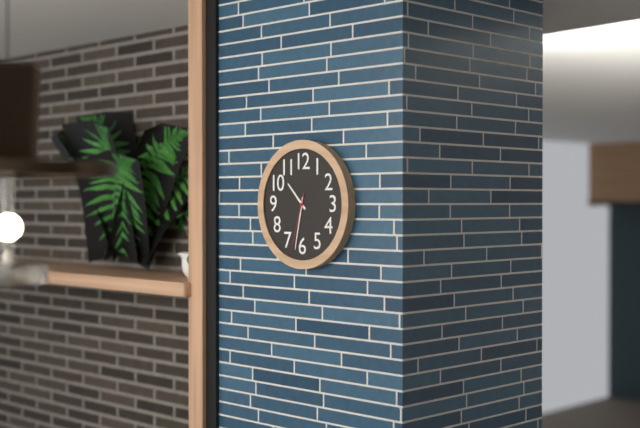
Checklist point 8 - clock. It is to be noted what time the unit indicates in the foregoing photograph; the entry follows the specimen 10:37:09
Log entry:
10:32:33
